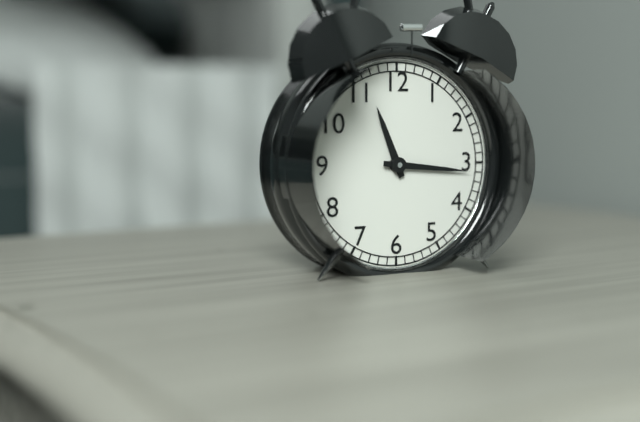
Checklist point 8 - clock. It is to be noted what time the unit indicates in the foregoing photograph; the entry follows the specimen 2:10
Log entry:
11:16
